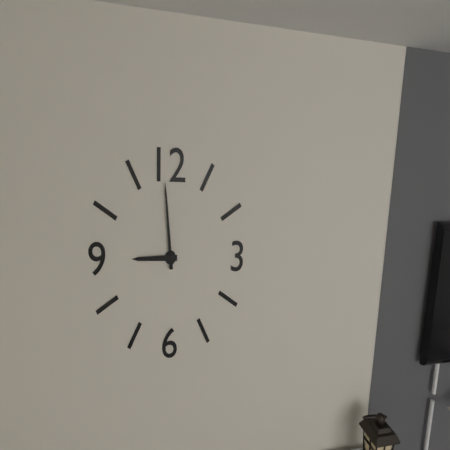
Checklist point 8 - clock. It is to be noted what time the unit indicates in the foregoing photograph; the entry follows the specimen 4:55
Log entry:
8:59
